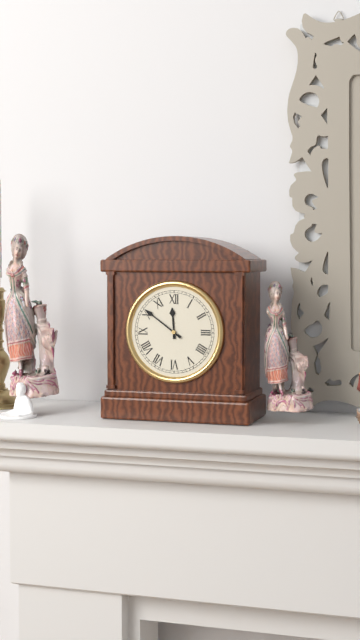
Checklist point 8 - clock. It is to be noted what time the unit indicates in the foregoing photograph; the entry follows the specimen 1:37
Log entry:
11:51
